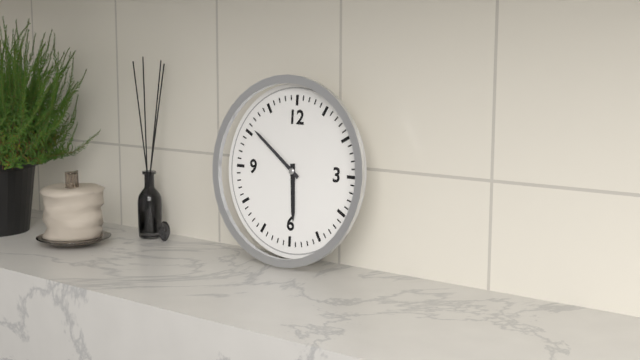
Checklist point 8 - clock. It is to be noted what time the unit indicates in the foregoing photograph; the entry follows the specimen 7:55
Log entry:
5:51
